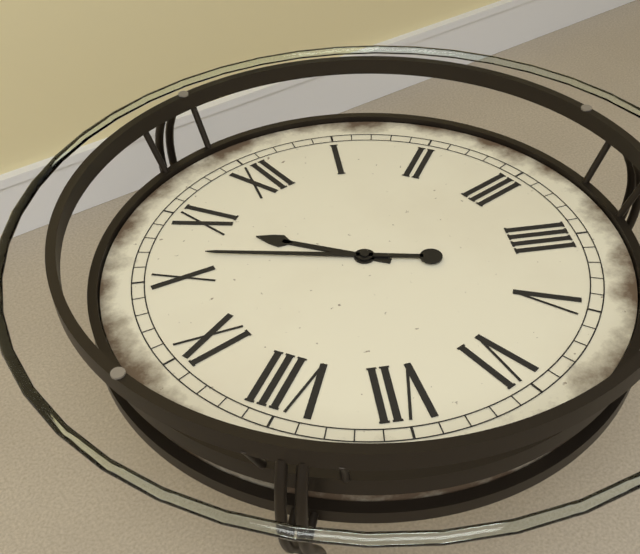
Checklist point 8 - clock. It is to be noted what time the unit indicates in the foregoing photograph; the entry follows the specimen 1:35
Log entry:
10:52
